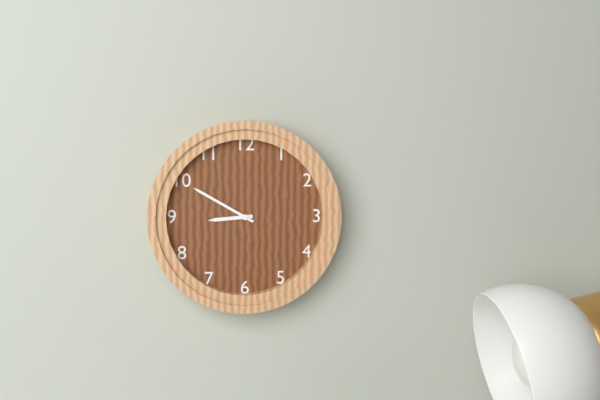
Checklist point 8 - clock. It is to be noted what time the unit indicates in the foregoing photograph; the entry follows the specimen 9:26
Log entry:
8:50
